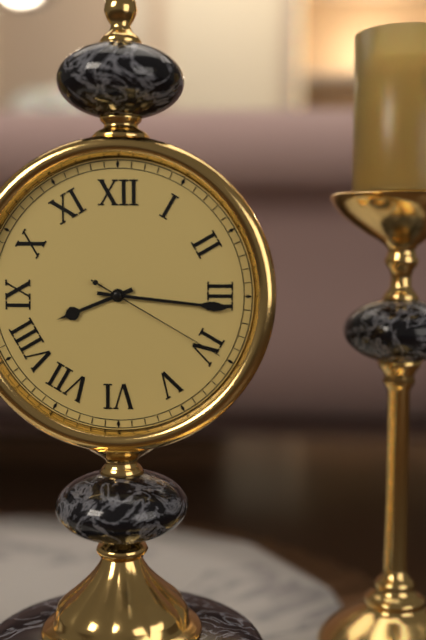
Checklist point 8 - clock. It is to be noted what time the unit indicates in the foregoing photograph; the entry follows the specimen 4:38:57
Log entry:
8:16:20
